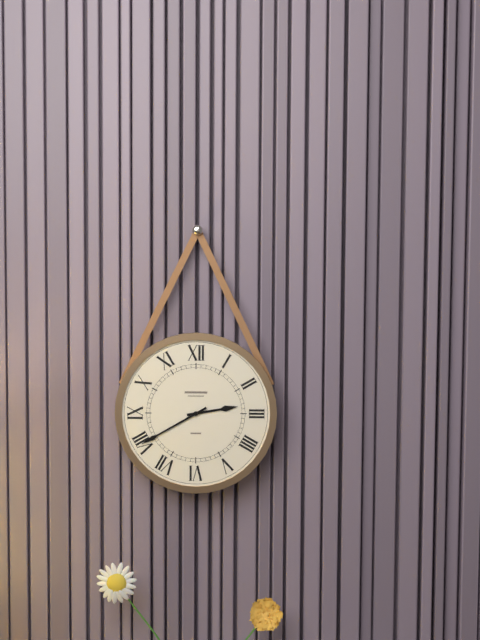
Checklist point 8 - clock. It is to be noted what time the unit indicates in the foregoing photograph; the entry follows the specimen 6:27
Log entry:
2:40
